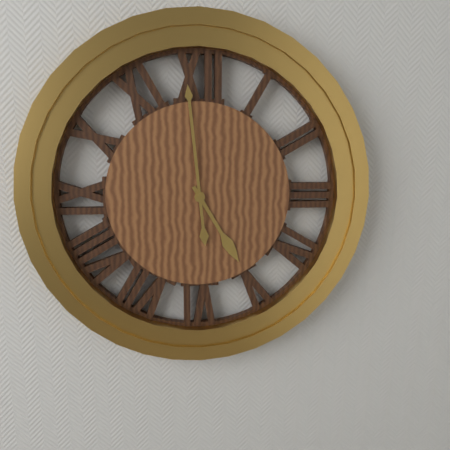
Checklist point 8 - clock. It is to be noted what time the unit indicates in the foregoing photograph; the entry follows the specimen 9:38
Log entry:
4:59
